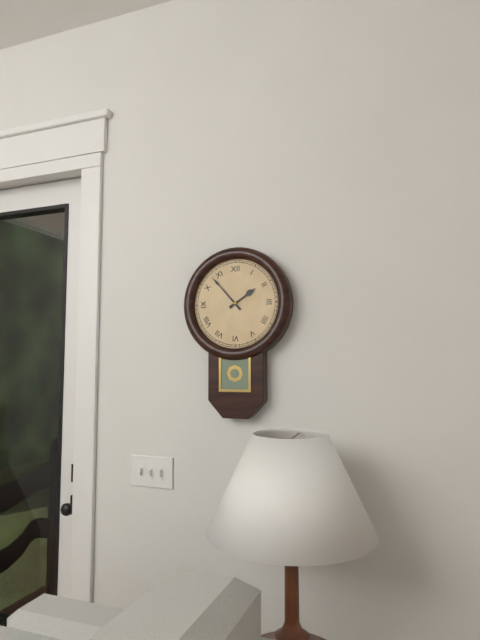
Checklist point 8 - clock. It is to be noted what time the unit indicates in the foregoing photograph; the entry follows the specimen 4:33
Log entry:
1:53
